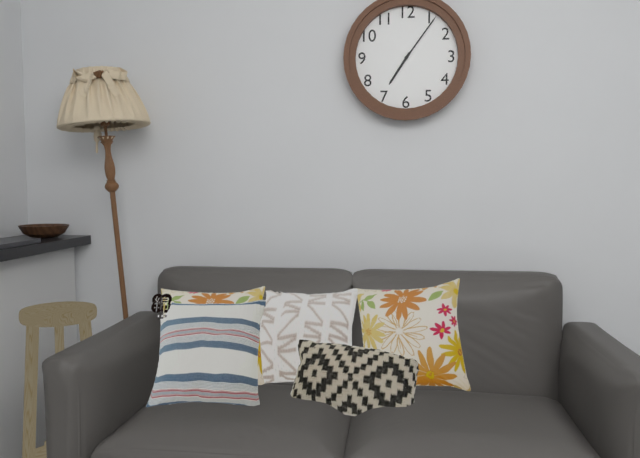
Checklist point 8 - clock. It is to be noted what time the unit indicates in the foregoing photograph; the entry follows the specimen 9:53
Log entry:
7:06
